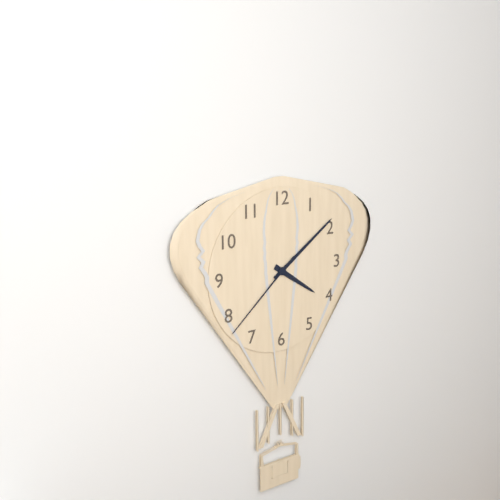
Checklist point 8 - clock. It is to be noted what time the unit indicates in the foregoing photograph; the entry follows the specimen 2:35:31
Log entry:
4:09:38
